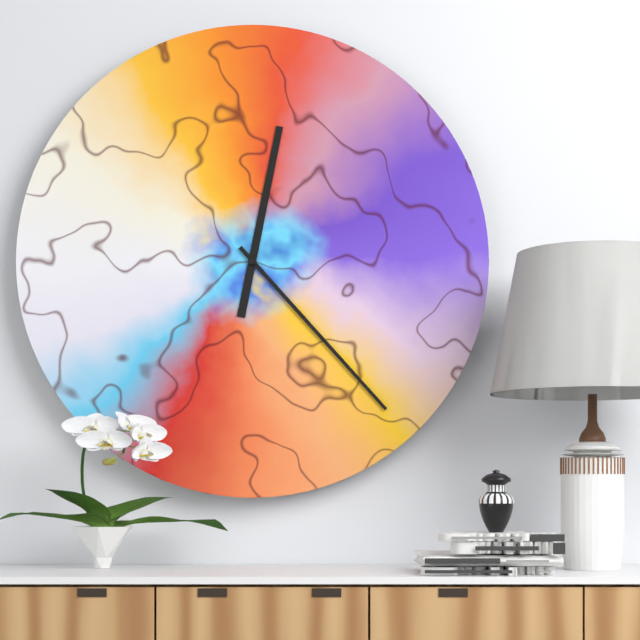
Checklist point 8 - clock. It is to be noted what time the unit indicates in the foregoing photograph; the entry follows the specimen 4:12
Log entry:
12:23
